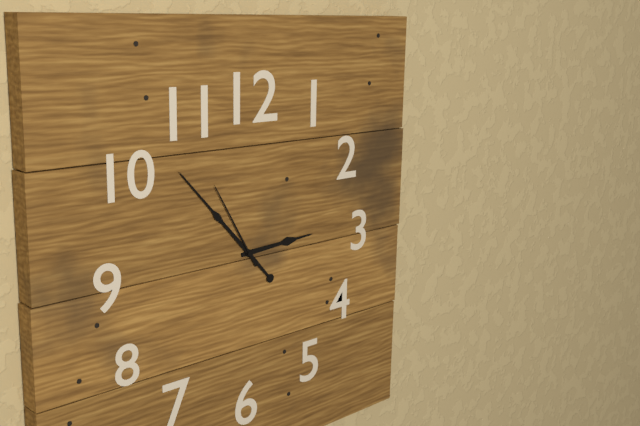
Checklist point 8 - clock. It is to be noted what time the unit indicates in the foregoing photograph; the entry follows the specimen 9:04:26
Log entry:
2:53:55
